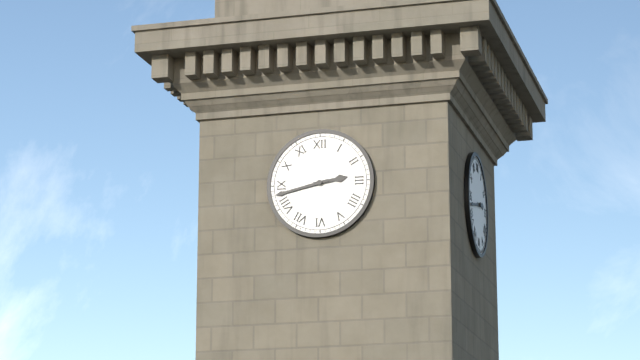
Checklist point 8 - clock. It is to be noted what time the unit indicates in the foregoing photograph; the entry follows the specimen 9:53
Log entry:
2:43
